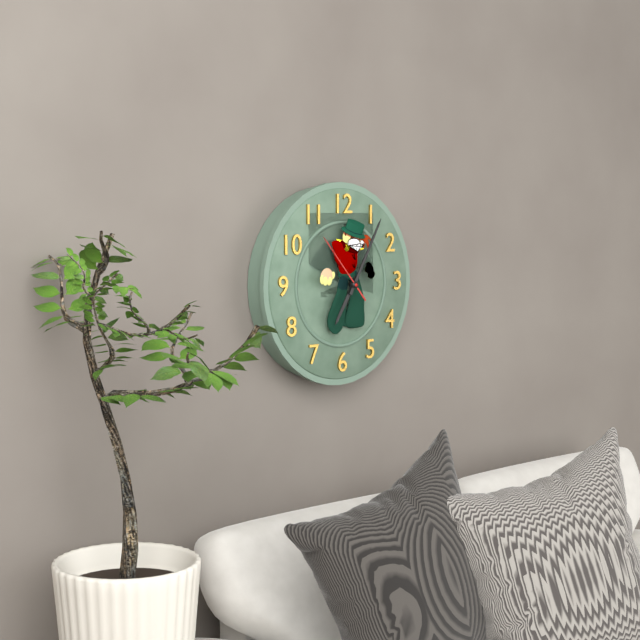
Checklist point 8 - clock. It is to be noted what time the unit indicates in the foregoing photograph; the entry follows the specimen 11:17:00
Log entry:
7:05:53
